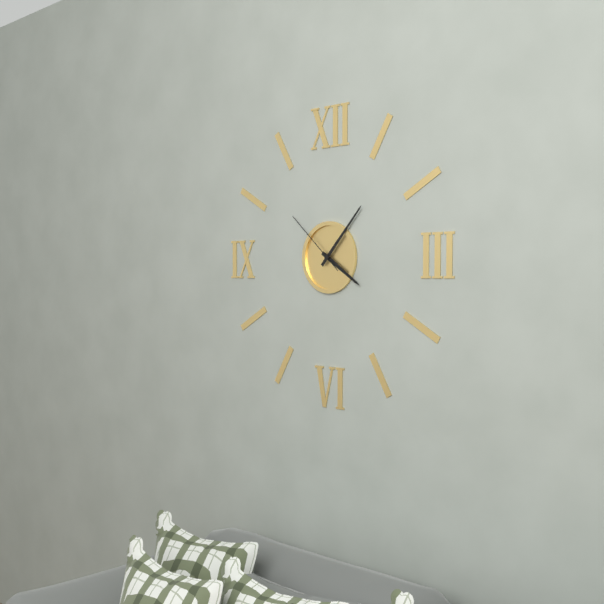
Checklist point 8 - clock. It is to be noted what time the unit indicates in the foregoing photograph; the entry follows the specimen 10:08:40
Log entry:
4:07:52
